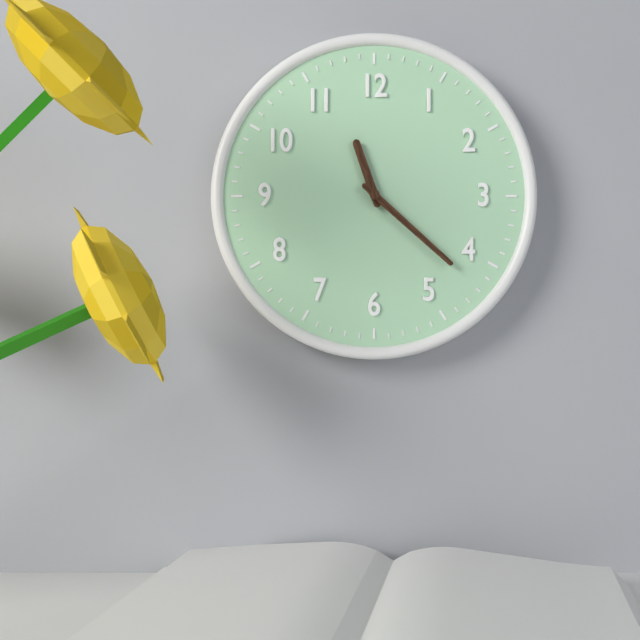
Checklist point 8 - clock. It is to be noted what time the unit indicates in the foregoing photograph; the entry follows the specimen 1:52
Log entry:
11:22
